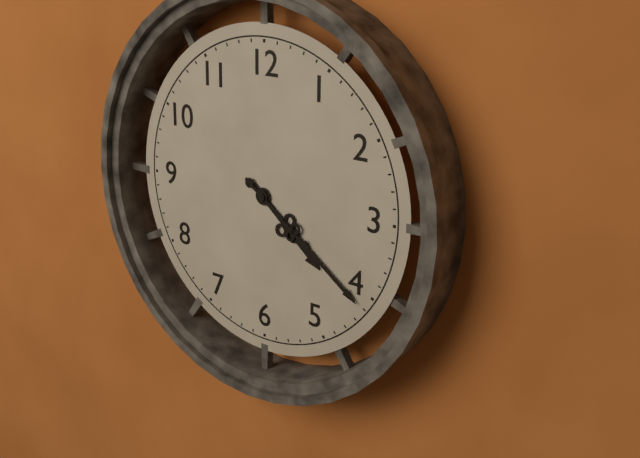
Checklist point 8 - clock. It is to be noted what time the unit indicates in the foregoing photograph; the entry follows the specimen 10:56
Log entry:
4:21
